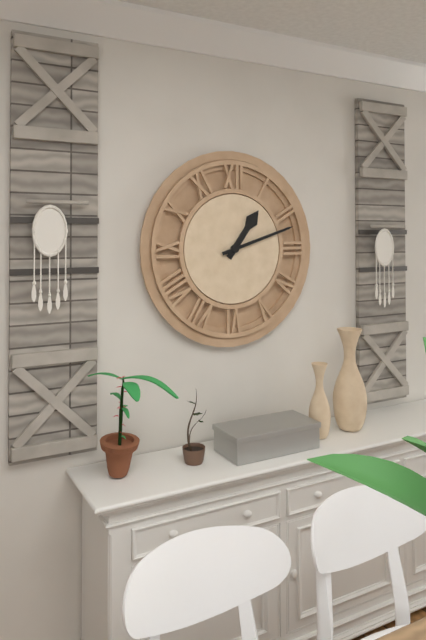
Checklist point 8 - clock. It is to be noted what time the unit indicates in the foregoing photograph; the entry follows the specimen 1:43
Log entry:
1:12
